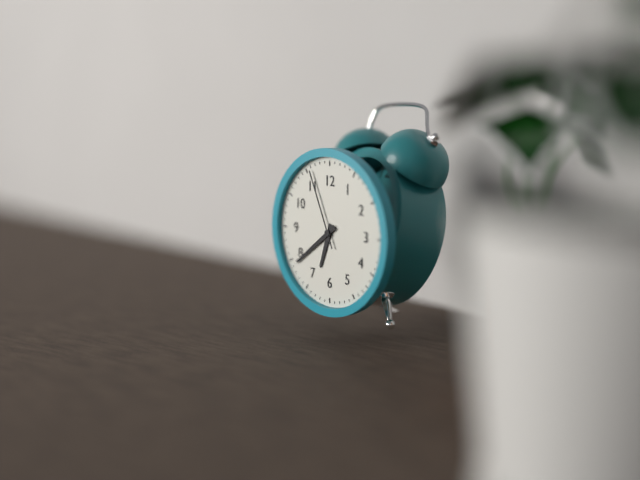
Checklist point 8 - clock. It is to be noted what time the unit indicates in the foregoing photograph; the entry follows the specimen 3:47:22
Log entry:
6:39:56
